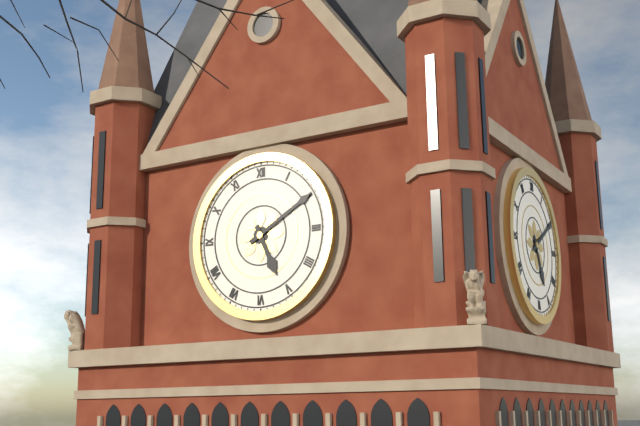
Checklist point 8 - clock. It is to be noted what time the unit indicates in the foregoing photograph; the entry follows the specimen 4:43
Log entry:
5:10
